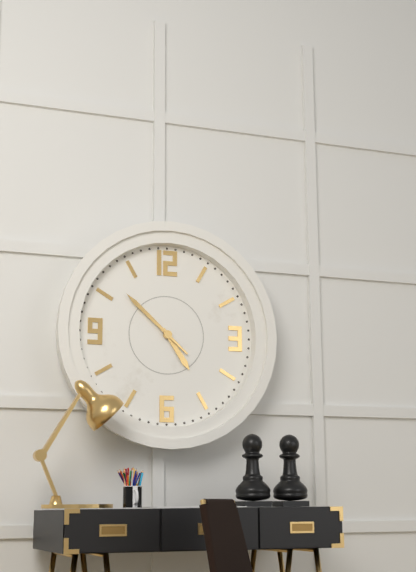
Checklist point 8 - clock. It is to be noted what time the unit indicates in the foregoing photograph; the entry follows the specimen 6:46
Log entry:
4:52
